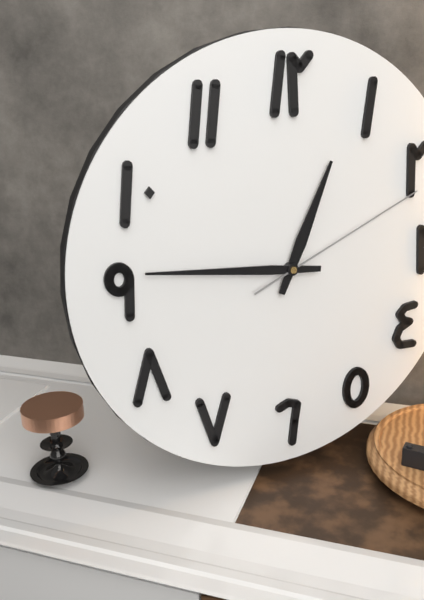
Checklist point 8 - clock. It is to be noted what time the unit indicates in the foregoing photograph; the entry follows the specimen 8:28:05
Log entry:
12:46:11
